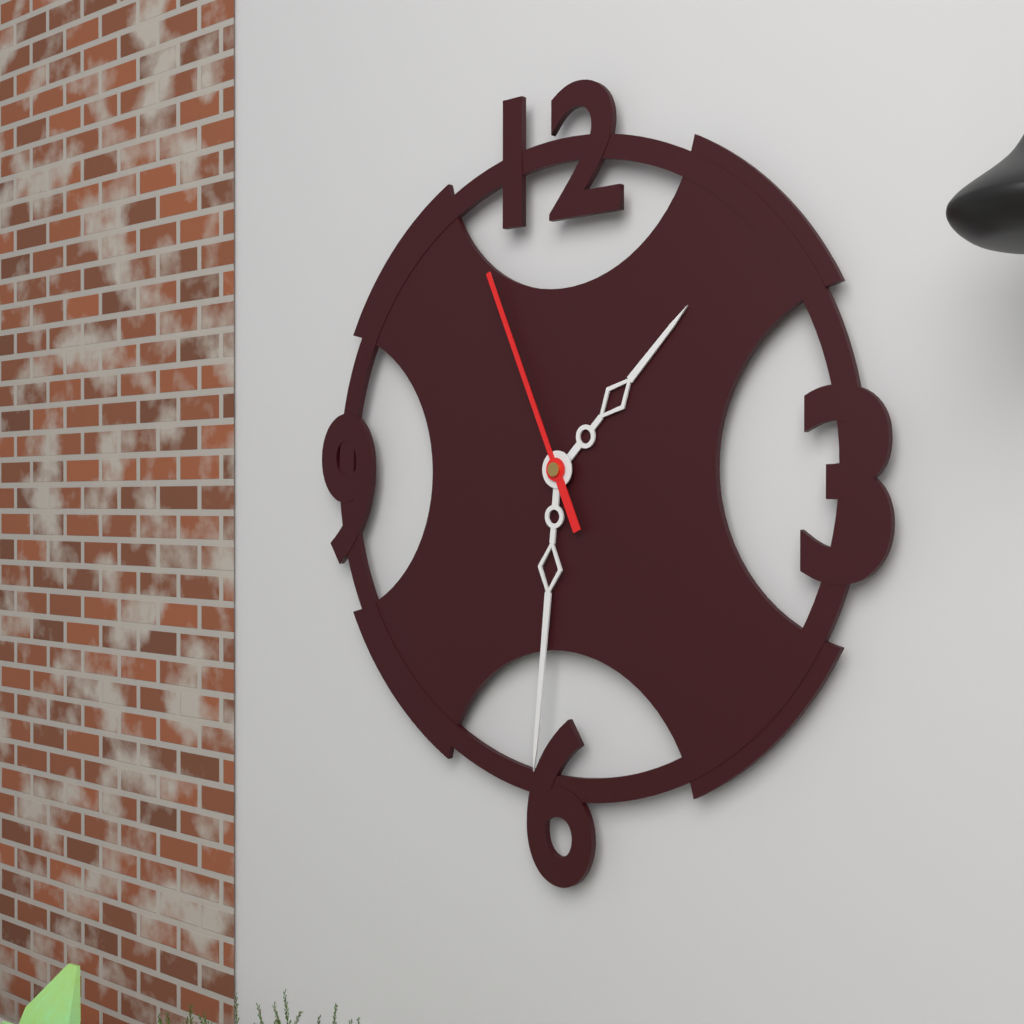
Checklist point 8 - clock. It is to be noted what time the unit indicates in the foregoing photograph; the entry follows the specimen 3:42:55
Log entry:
1:31:56
